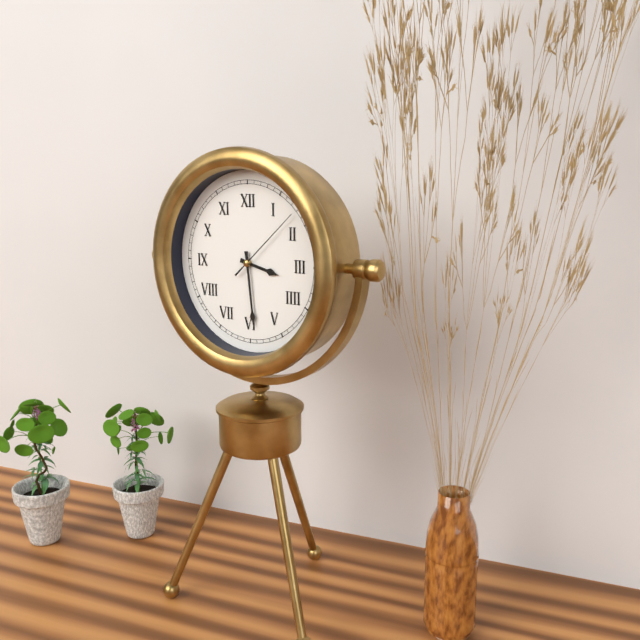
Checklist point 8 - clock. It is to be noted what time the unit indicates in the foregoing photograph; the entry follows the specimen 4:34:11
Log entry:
3:29:08
